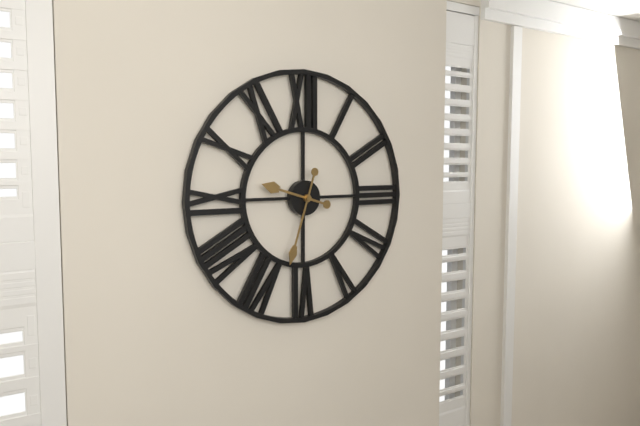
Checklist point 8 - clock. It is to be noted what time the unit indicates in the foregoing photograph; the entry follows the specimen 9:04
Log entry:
9:33
